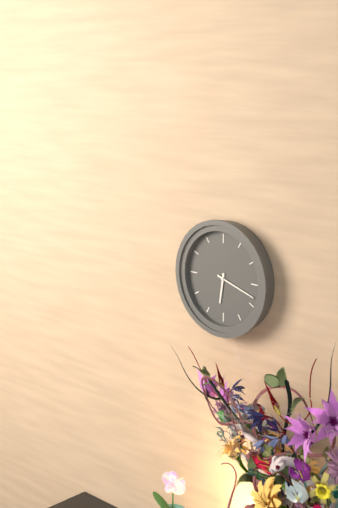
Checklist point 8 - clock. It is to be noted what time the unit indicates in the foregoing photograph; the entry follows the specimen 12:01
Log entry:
6:18
